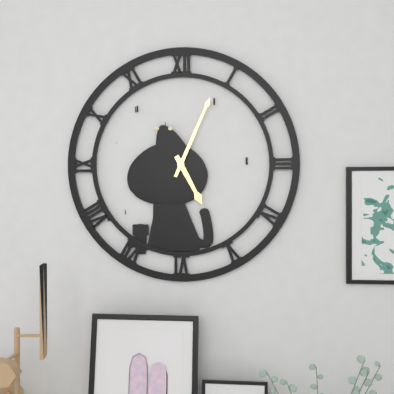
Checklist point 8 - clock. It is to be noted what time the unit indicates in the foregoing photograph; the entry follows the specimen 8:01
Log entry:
5:04
